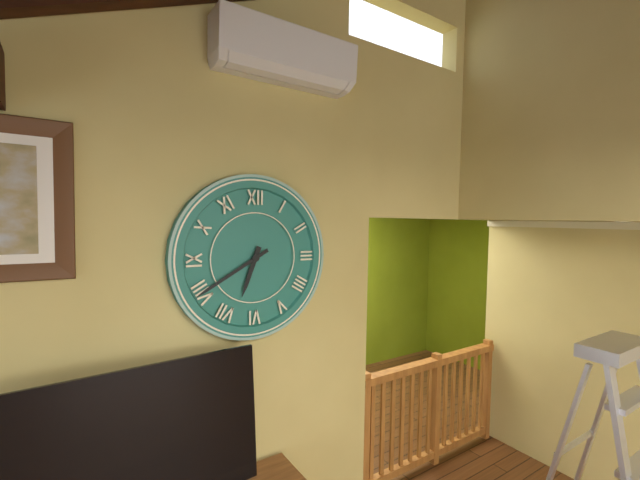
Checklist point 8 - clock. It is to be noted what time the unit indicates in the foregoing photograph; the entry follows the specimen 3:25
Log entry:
6:40
